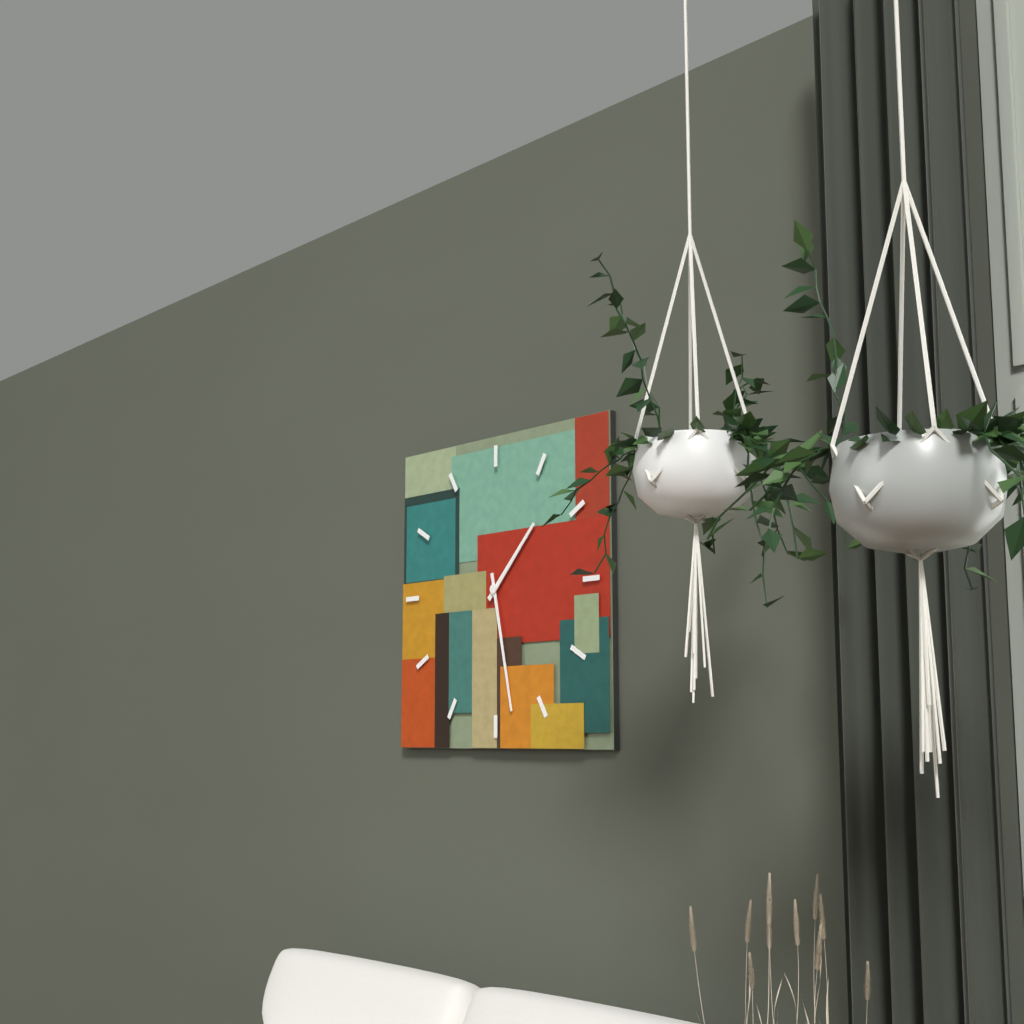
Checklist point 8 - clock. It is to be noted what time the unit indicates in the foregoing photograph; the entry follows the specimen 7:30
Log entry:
1:28
